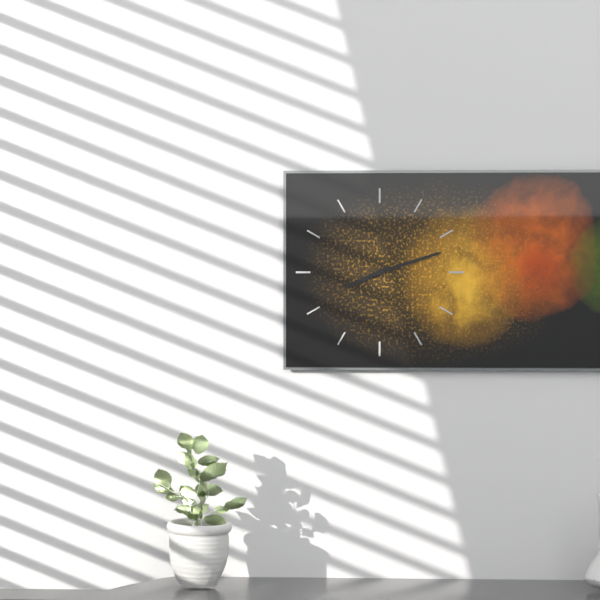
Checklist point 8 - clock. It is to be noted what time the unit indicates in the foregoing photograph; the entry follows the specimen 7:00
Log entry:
8:12
